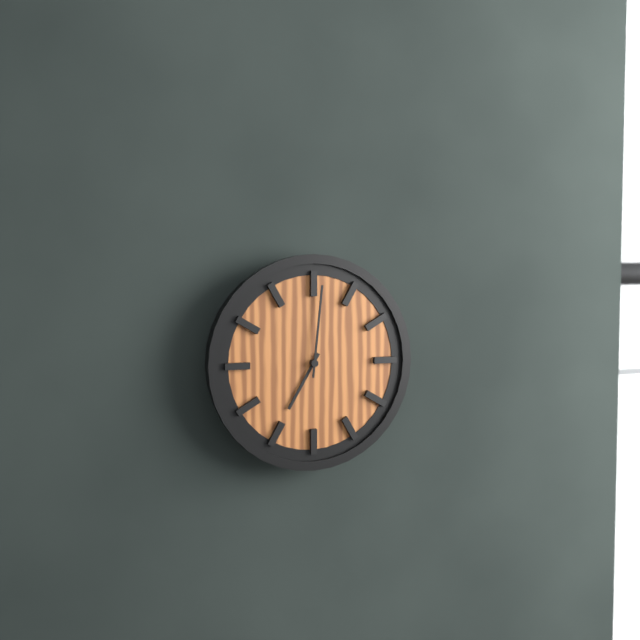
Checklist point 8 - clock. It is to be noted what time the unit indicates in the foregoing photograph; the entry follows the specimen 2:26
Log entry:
7:01
